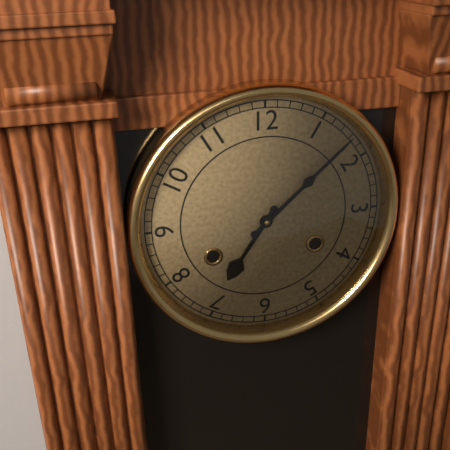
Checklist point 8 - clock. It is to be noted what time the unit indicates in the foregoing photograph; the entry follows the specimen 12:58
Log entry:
7:08
